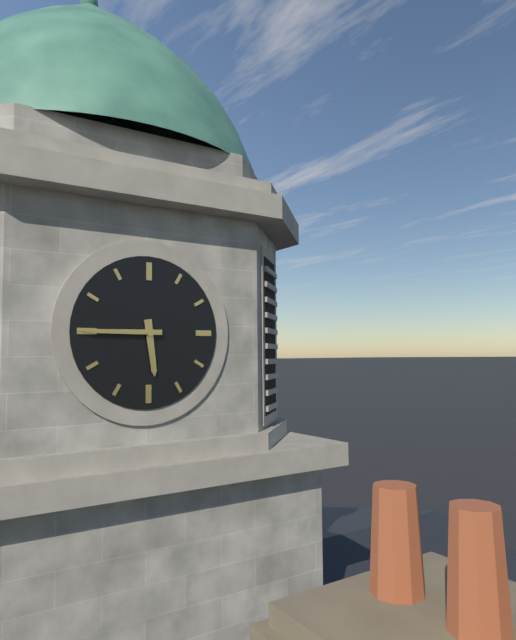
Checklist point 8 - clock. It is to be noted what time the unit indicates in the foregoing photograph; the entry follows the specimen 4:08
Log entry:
5:45
